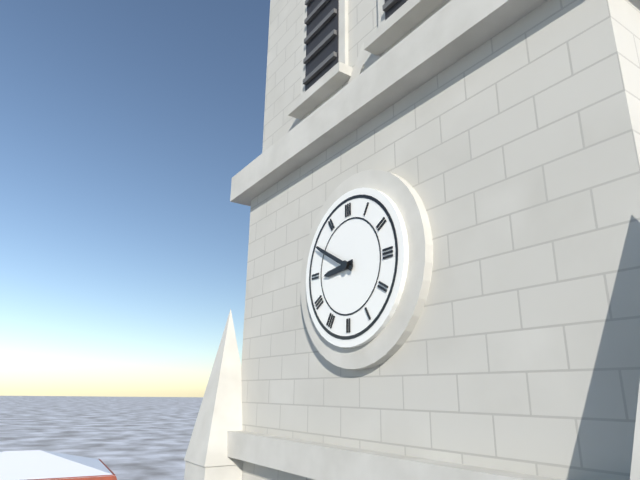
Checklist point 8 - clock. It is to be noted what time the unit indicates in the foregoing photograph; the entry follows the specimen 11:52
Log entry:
8:50
